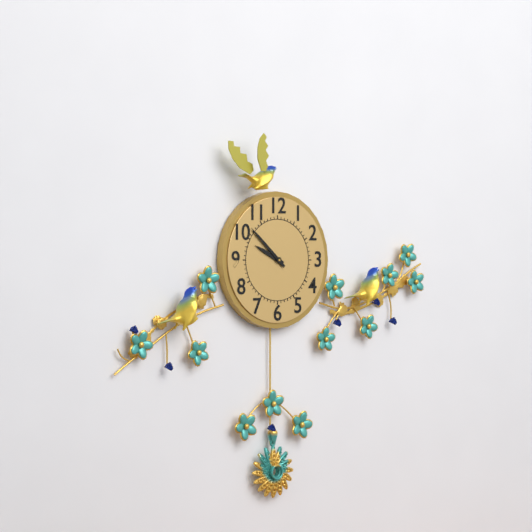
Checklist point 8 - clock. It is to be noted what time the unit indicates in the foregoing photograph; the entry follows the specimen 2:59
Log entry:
9:52
